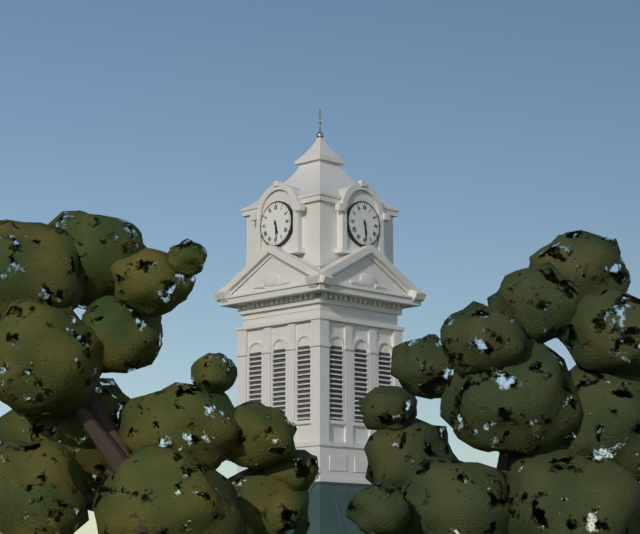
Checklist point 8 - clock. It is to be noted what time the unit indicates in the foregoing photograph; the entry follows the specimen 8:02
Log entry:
5:29
